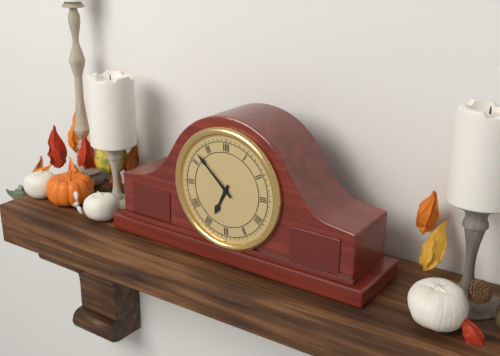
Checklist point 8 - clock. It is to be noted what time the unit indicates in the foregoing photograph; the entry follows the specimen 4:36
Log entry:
6:52
